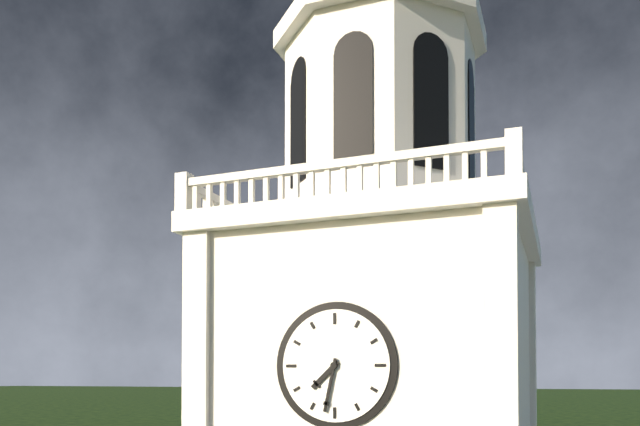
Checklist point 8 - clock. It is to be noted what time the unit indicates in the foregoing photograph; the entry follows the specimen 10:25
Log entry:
7:32
